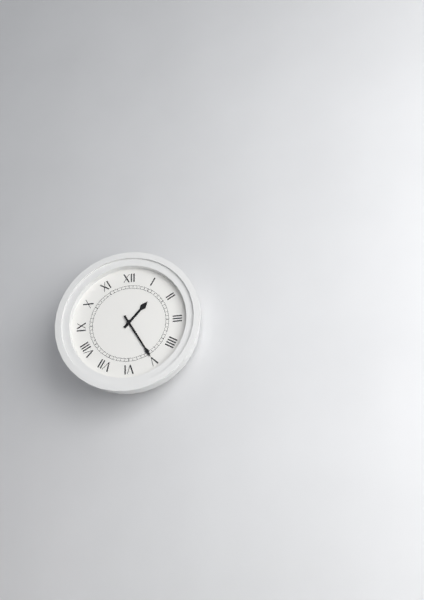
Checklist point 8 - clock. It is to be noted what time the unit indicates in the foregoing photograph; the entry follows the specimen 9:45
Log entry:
1:25
